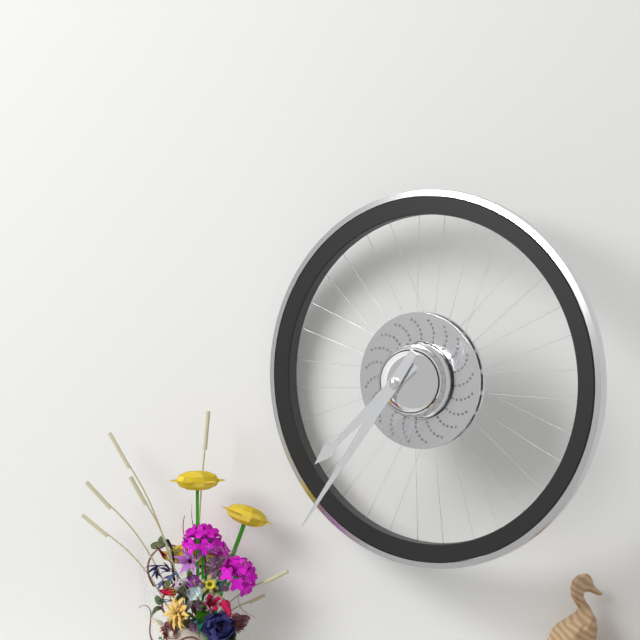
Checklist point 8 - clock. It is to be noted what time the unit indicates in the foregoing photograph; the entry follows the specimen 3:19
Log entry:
7:36
